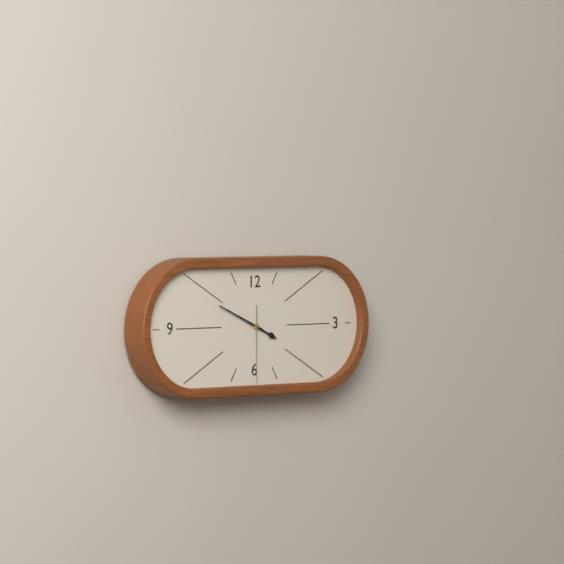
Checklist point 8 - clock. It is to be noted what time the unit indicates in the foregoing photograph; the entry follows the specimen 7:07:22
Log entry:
3:49:30
